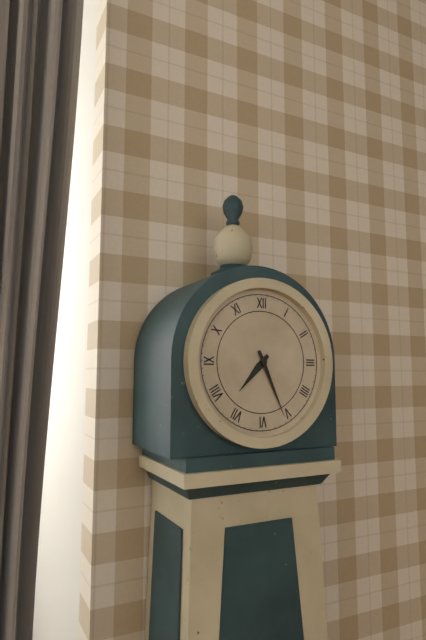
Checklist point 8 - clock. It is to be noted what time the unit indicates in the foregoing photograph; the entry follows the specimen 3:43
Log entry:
7:26
